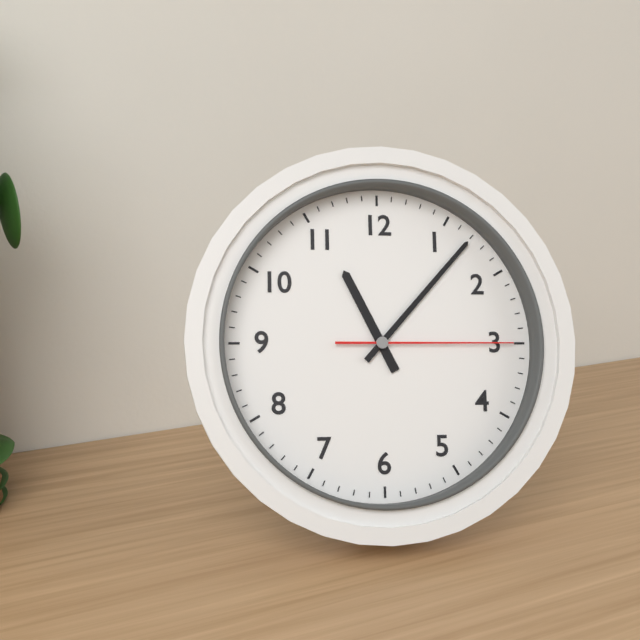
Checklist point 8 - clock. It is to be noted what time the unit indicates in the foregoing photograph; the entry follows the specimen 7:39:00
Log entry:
11:07:15
